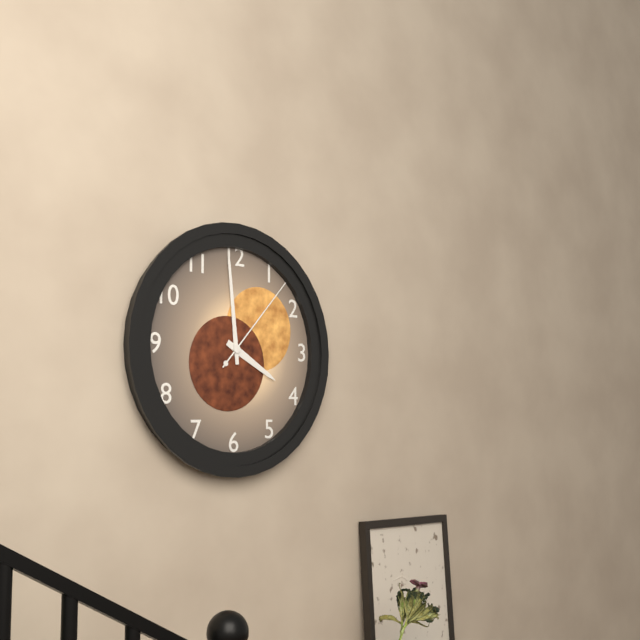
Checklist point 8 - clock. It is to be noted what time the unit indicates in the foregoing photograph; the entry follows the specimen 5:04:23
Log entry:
3:59:07
